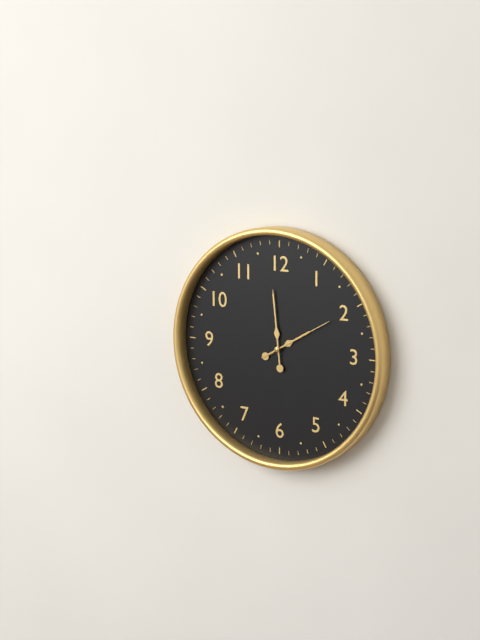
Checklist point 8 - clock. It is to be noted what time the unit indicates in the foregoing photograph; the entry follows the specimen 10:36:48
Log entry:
1:59:10
